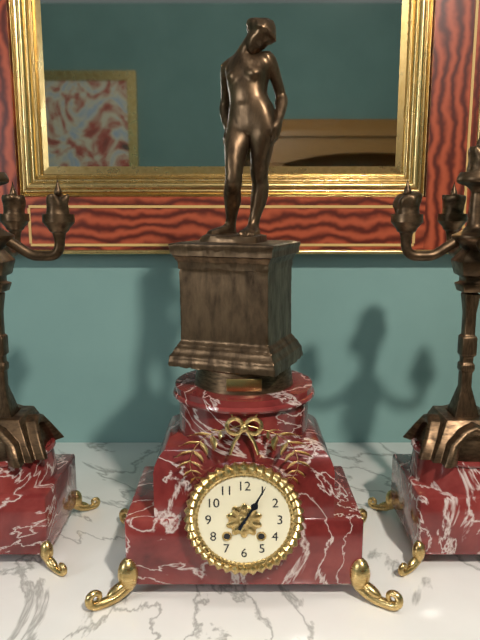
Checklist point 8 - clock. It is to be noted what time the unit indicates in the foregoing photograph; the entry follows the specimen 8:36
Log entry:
1:05
